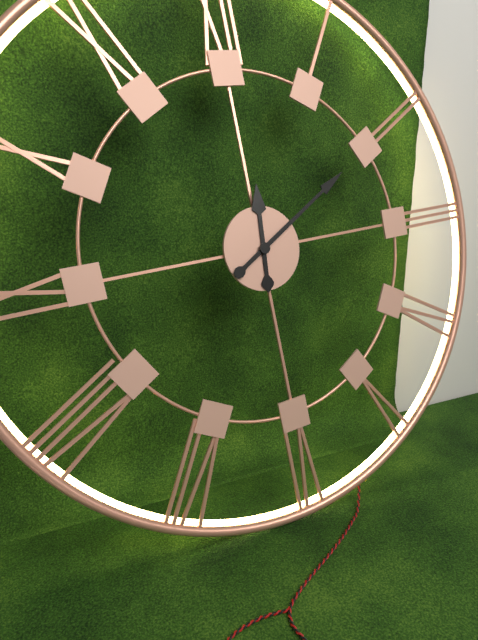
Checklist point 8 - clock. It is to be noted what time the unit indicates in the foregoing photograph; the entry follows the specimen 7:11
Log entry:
12:10
